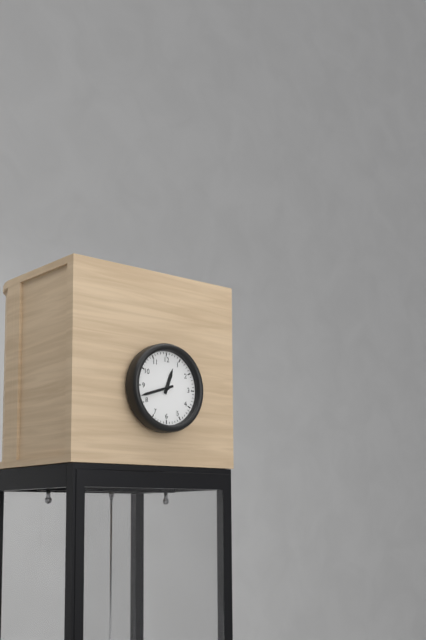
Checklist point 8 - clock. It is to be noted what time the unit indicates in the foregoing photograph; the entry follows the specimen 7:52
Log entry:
12:42
